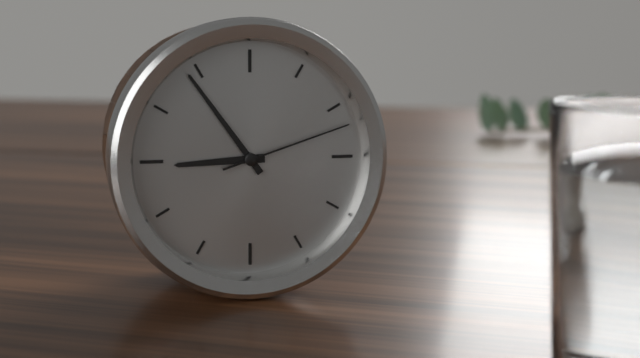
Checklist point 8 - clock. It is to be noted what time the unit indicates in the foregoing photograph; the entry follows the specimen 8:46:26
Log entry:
8:54:12
